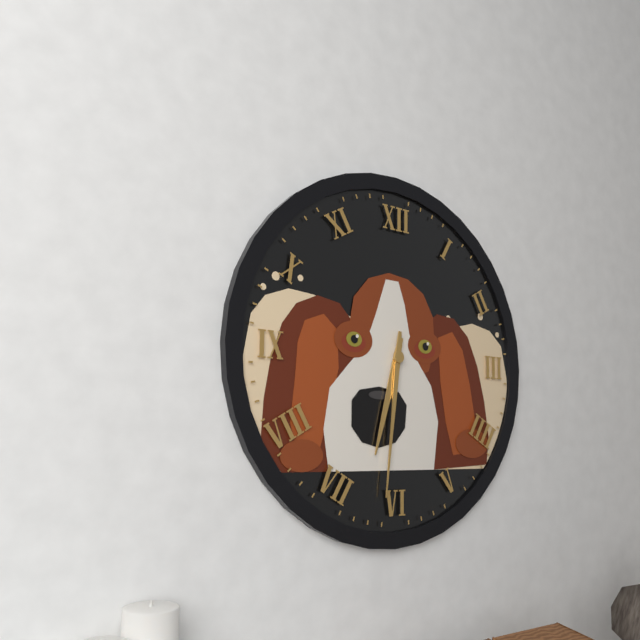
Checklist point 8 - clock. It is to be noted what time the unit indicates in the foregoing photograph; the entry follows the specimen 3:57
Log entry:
6:31
